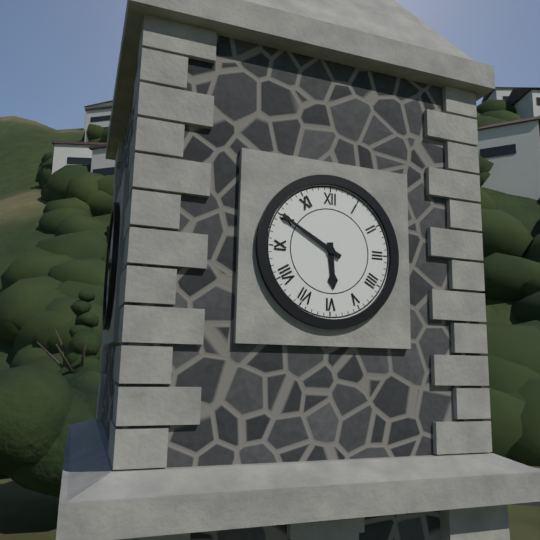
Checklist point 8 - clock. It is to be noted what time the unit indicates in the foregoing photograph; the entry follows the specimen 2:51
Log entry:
5:50
